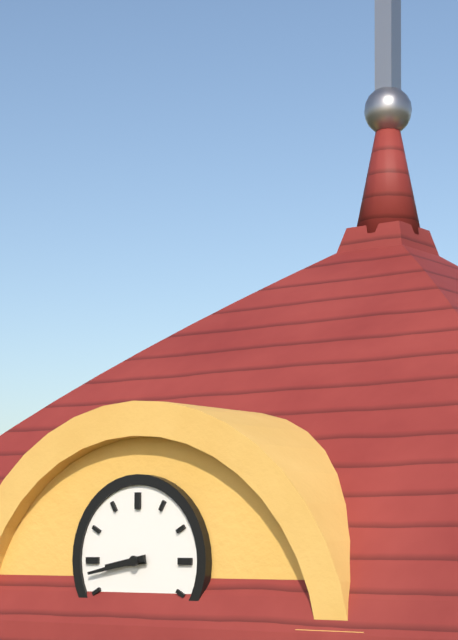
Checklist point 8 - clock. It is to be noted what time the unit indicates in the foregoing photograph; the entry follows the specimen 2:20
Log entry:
8:43
